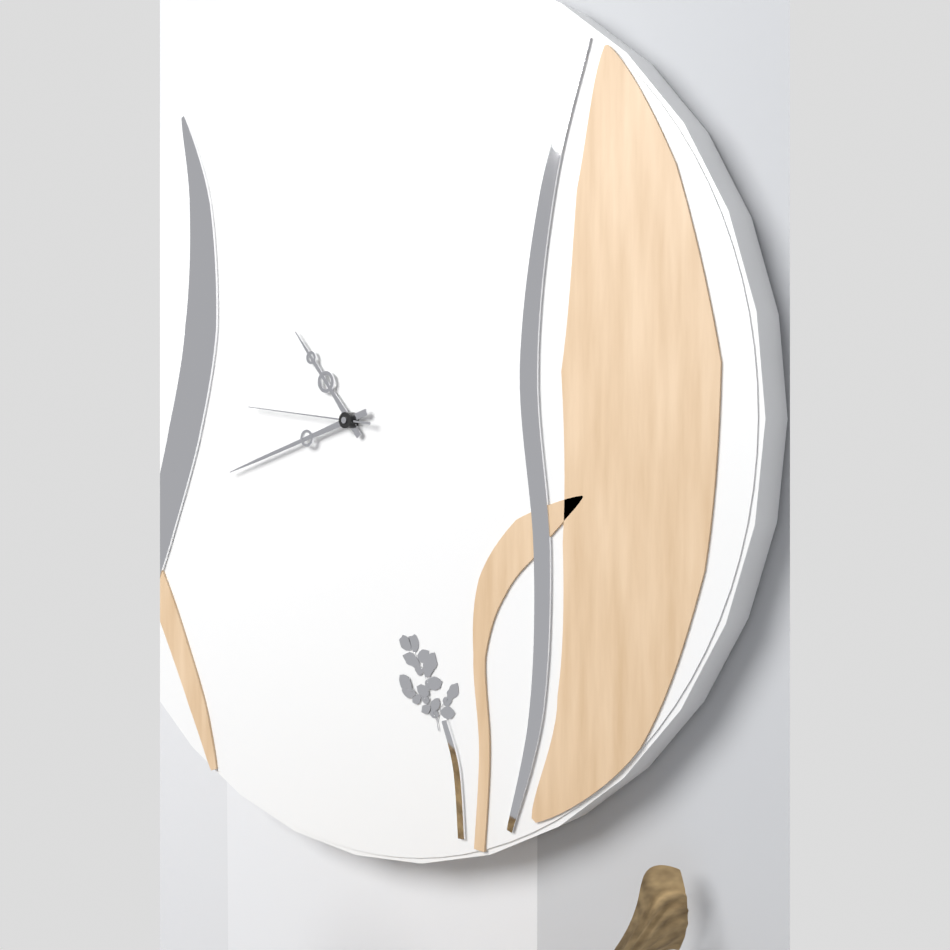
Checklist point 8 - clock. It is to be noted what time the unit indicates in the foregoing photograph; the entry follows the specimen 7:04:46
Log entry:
10:42:46
